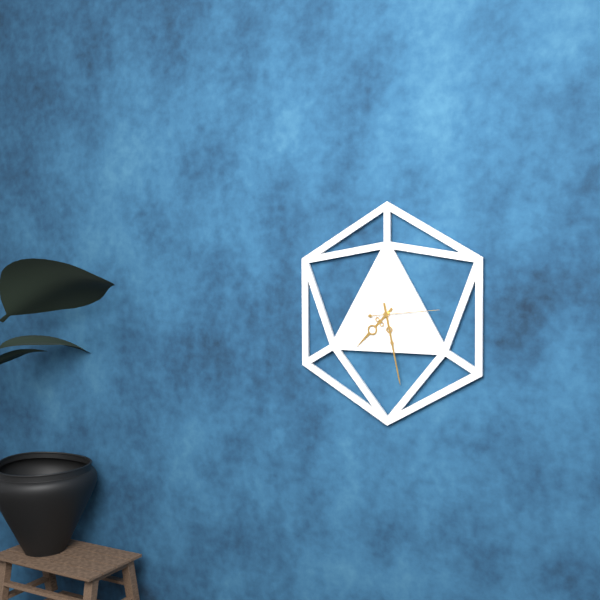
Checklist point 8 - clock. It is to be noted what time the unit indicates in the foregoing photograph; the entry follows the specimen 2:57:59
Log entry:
7:28:14
